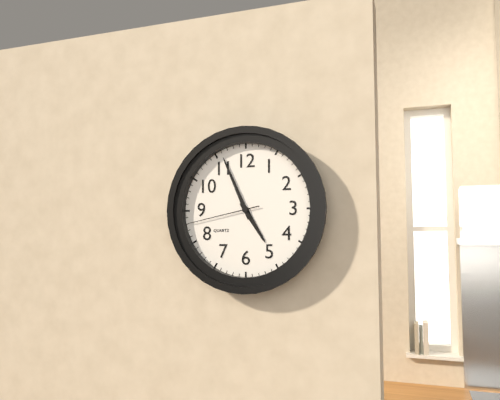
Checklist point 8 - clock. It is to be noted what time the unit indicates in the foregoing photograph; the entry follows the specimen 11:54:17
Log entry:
4:56:43
